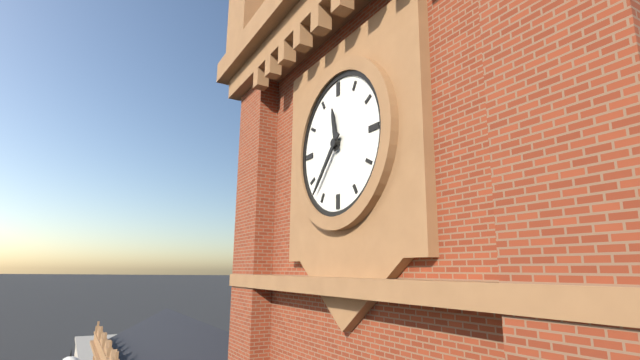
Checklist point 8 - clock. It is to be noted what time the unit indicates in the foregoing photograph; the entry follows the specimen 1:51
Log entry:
11:37
